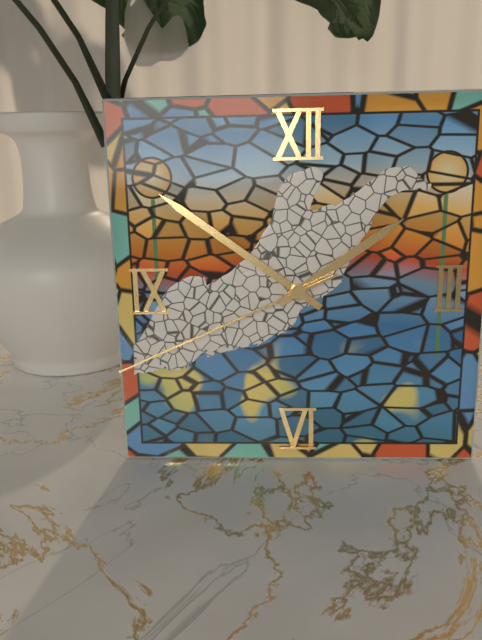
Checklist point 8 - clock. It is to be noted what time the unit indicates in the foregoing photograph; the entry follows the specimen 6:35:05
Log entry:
1:51:41
